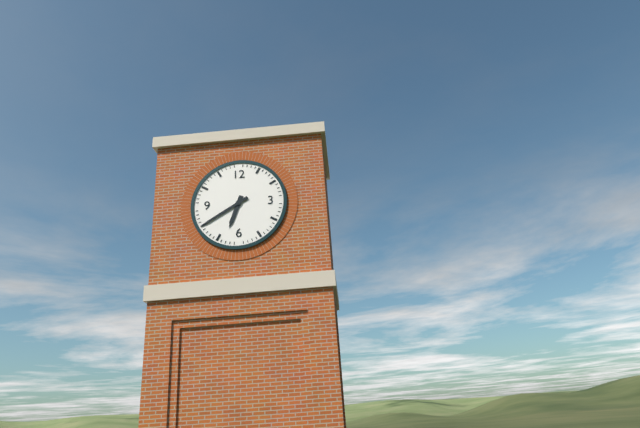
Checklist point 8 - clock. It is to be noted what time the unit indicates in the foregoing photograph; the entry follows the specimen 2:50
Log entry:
6:40
